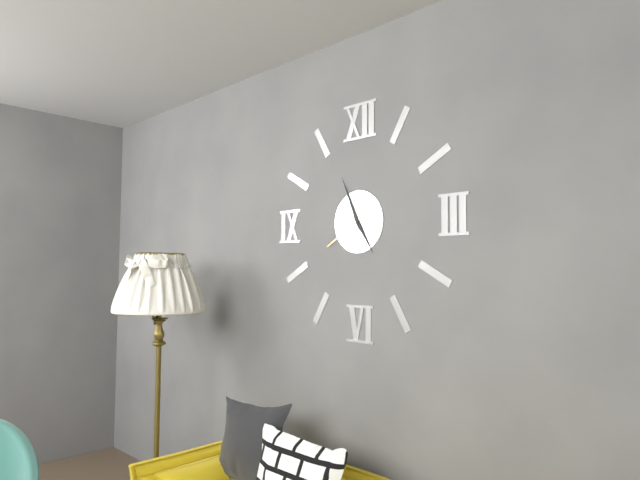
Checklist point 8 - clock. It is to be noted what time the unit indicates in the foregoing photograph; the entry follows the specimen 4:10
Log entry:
4:56
